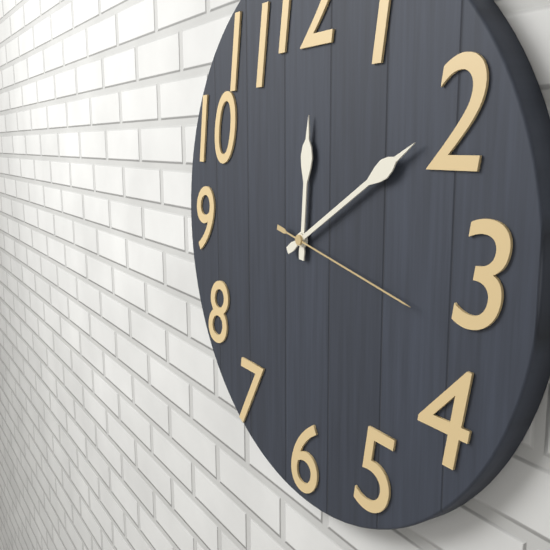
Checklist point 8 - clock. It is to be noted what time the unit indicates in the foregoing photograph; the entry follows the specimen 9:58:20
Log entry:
12:10:17
